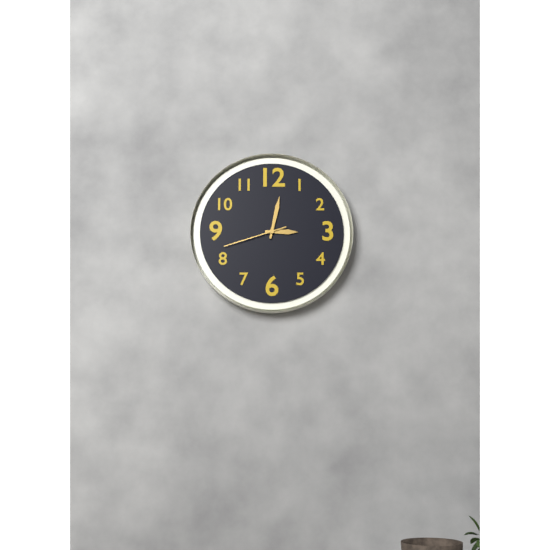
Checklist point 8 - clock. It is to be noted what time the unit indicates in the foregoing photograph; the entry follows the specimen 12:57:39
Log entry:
3:02:42
